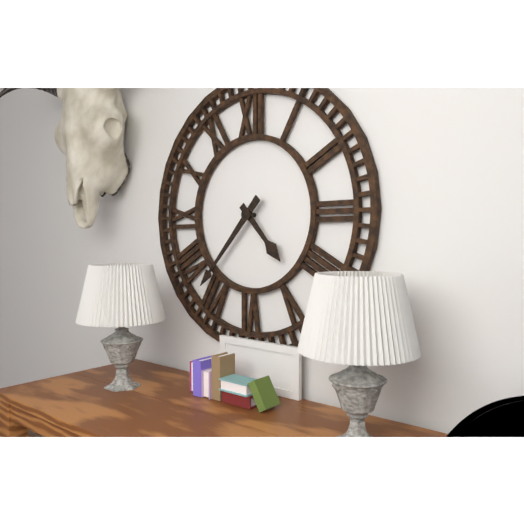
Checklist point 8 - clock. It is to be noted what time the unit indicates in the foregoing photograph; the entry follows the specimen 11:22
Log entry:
4:37
